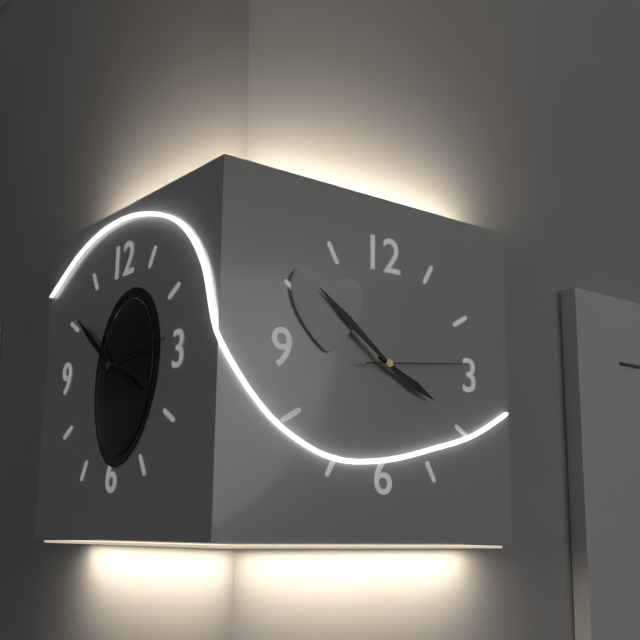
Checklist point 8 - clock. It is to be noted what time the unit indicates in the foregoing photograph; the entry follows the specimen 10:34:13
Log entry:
3:51:14
